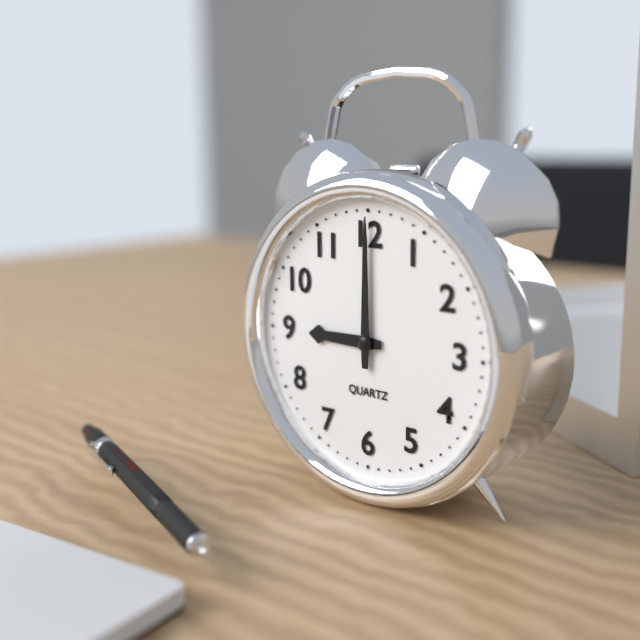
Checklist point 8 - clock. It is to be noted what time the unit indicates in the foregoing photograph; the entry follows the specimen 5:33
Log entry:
9:00
